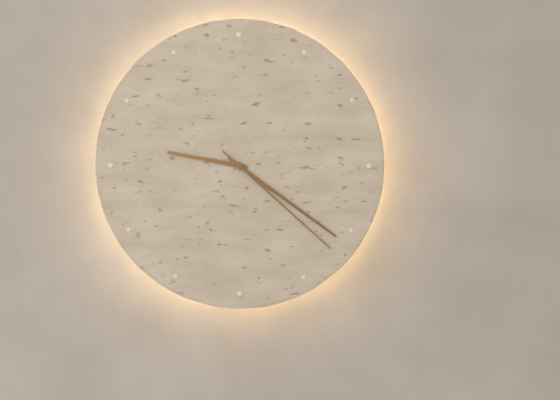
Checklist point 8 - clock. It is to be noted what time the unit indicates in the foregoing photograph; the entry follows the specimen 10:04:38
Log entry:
9:21:22
